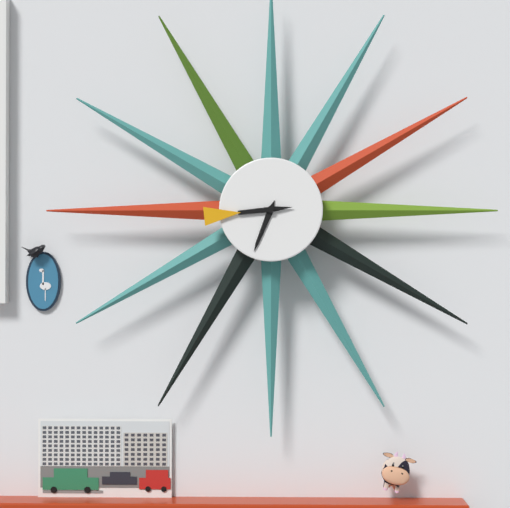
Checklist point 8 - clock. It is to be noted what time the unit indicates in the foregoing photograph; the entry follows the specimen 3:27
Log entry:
6:44
